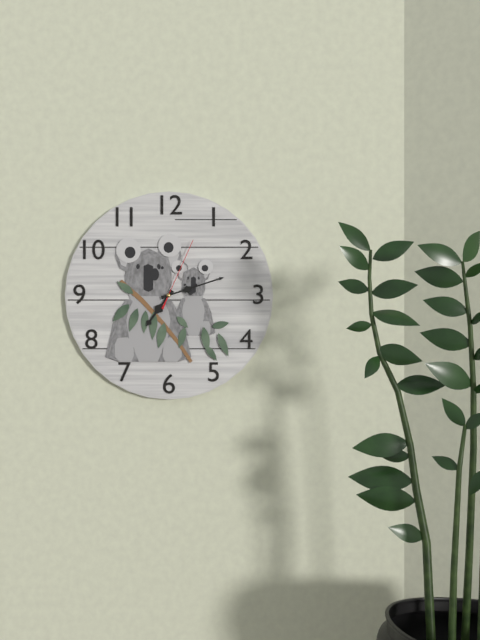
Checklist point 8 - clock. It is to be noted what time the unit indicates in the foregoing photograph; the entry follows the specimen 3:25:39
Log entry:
7:12:04
